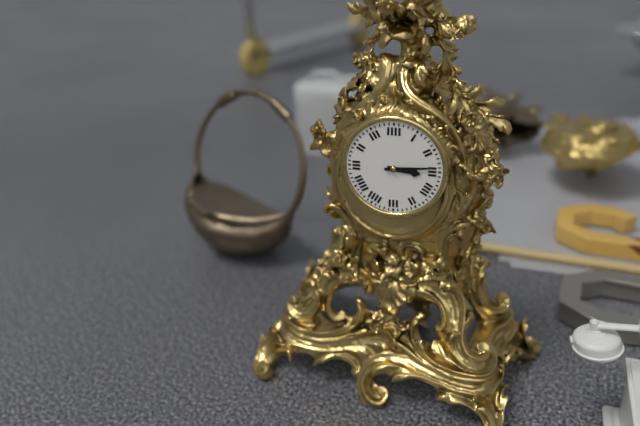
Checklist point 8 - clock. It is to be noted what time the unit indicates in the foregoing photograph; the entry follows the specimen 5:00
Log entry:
3:14
